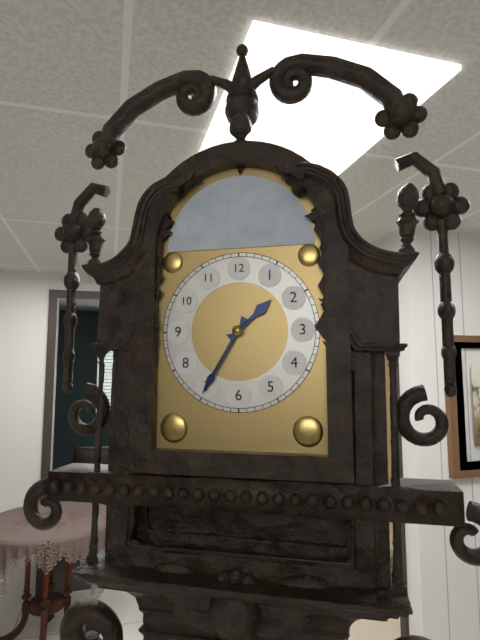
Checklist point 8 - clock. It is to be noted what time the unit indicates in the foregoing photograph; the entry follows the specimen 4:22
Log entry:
1:35
